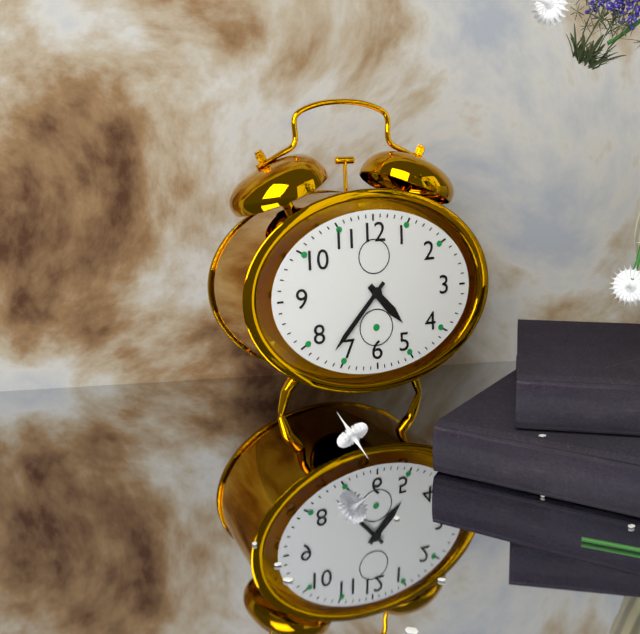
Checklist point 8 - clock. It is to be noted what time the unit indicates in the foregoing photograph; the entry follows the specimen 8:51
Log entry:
4:37
